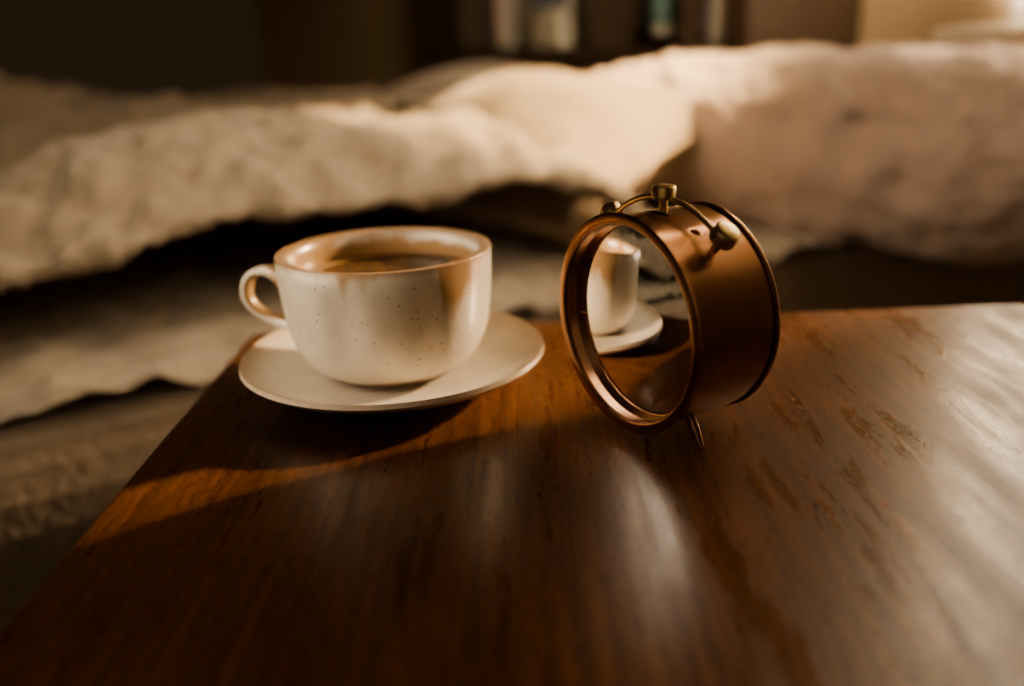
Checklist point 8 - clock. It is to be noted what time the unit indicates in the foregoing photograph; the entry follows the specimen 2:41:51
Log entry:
6:48:44
